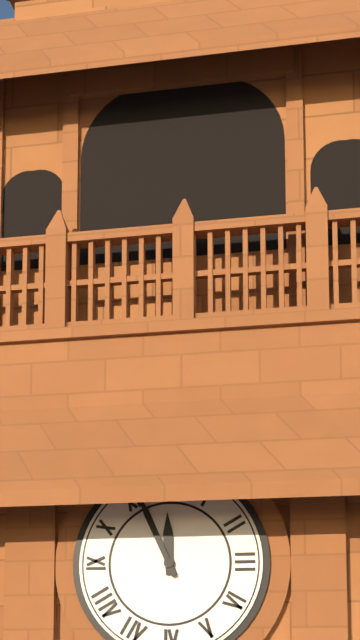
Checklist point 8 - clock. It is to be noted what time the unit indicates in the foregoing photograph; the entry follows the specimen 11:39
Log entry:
11:56
